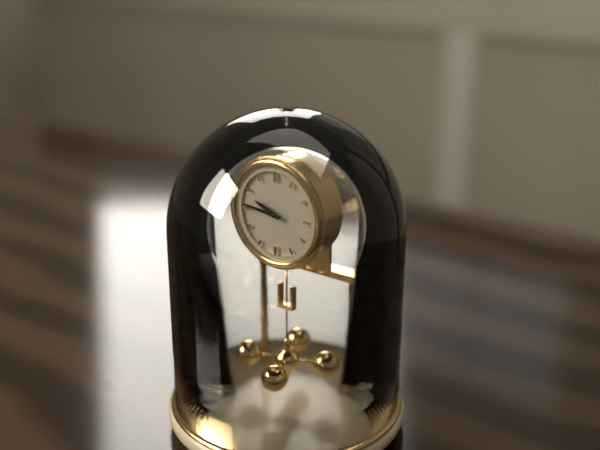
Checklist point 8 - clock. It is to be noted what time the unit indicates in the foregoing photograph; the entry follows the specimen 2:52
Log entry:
9:46
